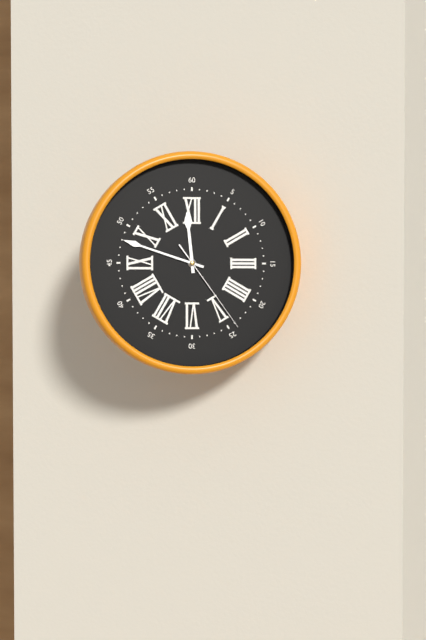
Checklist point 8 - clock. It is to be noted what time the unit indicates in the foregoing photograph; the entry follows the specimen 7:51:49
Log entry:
11:48:24
